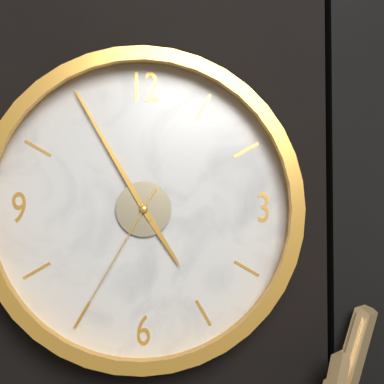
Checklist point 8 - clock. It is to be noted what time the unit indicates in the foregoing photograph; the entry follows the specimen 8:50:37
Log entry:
4:55:35
